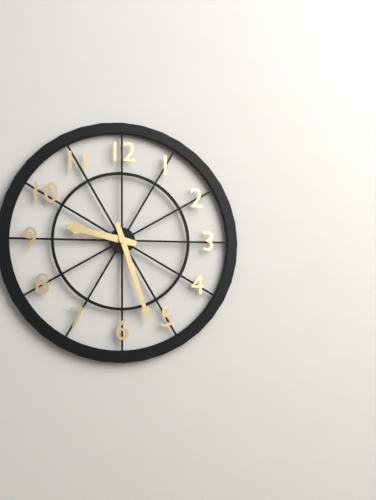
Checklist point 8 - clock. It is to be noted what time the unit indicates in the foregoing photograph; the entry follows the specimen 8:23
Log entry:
9:27
